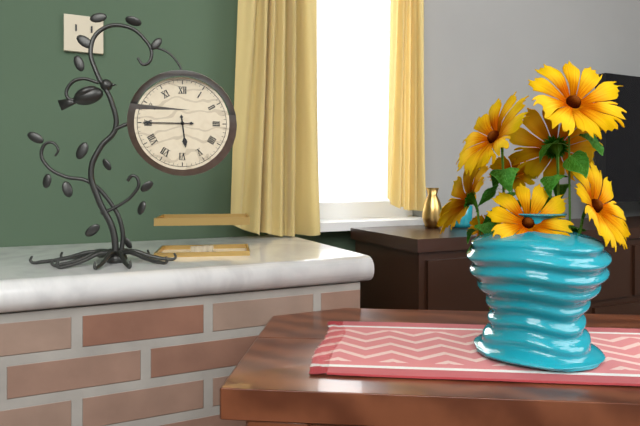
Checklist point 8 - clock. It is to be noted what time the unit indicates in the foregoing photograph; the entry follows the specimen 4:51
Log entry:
5:45
